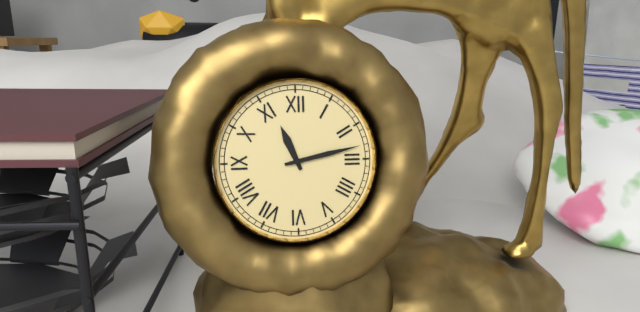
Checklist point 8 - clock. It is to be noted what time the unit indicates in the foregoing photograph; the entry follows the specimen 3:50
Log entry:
11:13
